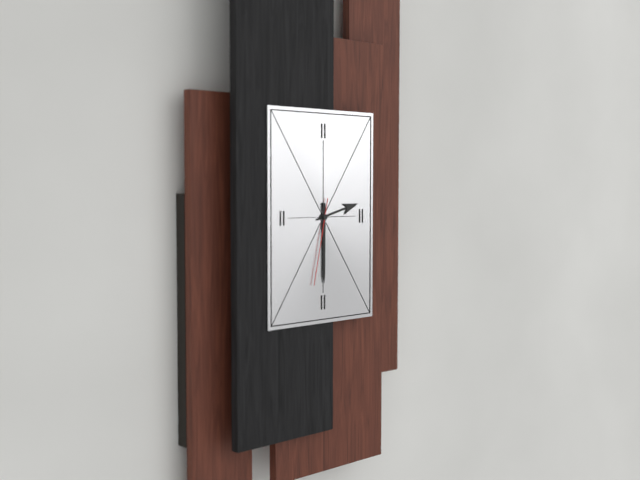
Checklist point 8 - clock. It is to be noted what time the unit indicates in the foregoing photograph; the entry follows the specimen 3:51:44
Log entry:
2:30:32
